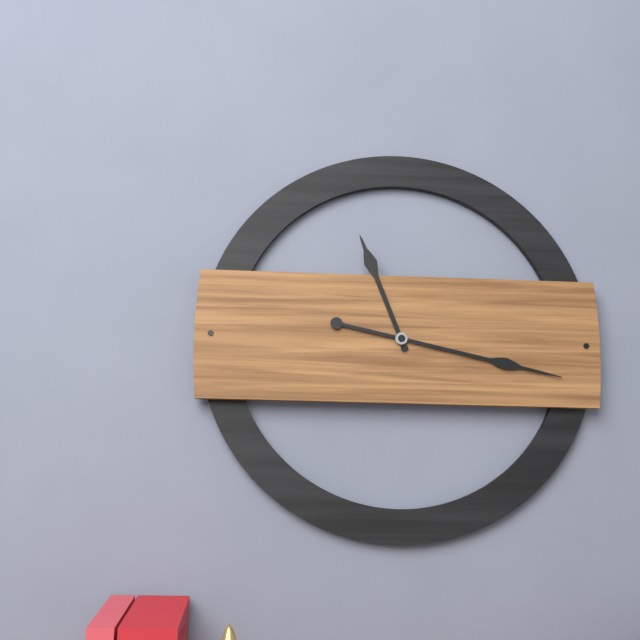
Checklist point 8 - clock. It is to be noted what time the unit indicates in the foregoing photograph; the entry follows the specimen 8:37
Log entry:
11:17
